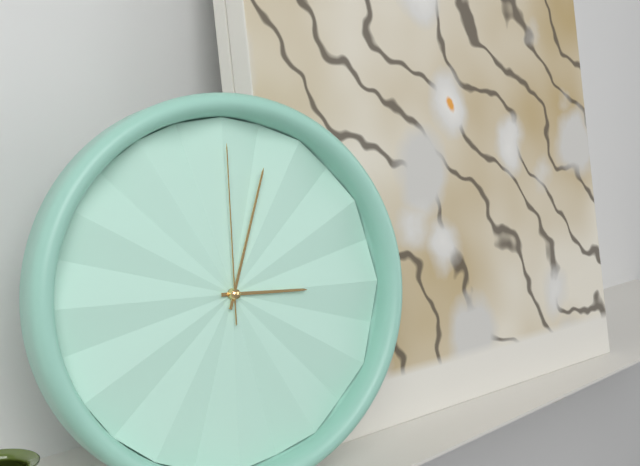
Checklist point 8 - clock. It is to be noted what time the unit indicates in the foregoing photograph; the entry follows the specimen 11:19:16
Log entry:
3:03:00
